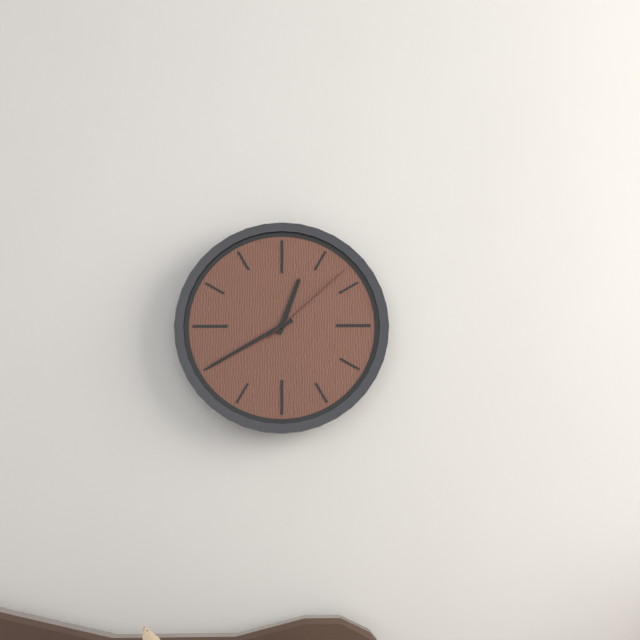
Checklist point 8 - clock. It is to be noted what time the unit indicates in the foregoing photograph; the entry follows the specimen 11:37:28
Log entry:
12:40:08
